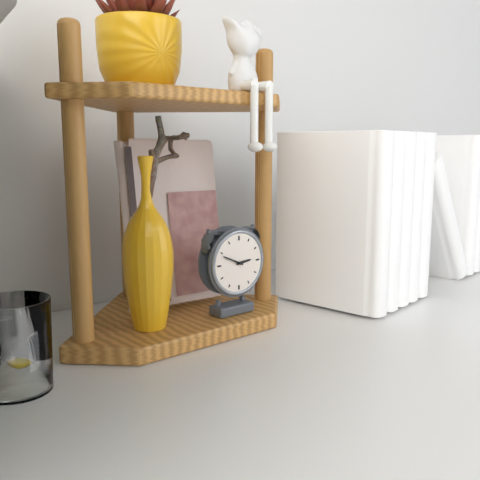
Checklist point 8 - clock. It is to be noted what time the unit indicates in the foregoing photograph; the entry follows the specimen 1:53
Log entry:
2:49
